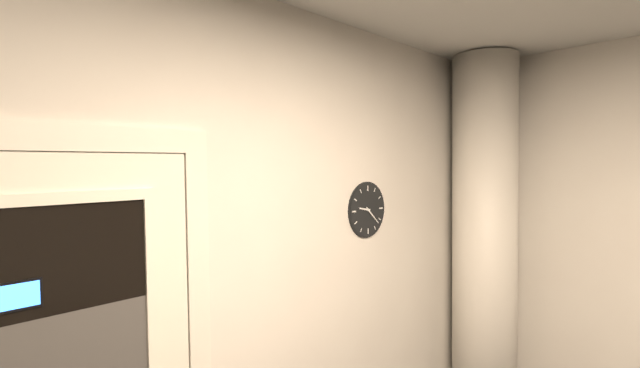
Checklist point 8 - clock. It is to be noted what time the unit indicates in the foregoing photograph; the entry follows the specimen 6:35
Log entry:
9:22
